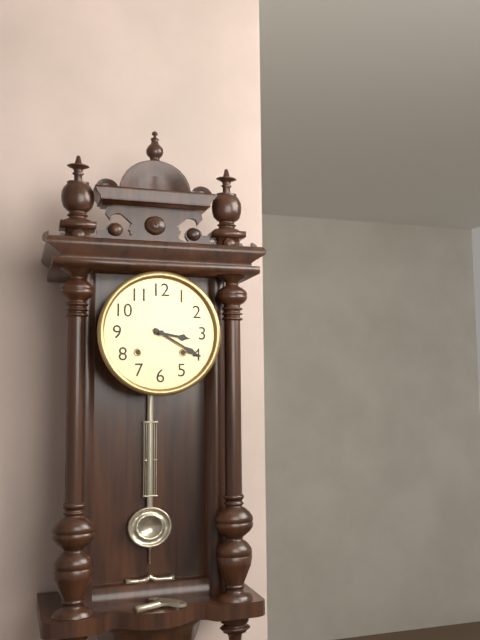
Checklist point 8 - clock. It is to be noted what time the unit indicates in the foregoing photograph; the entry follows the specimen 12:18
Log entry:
3:20
